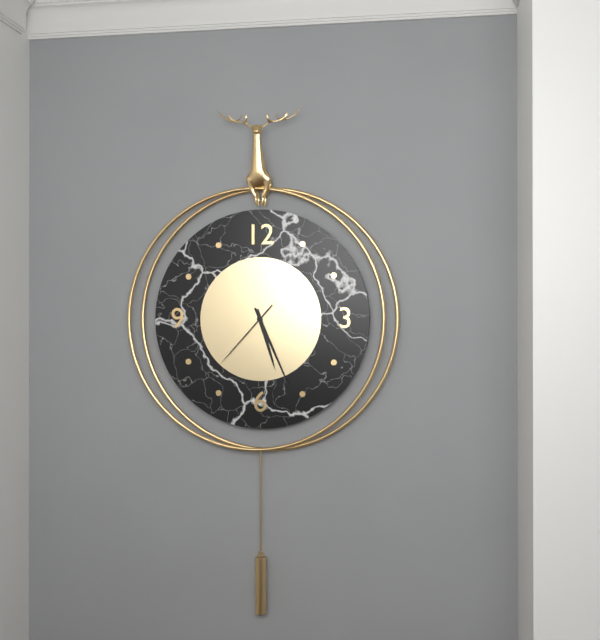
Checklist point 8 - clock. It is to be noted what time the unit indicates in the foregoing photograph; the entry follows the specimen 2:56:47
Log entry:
5:26:37
